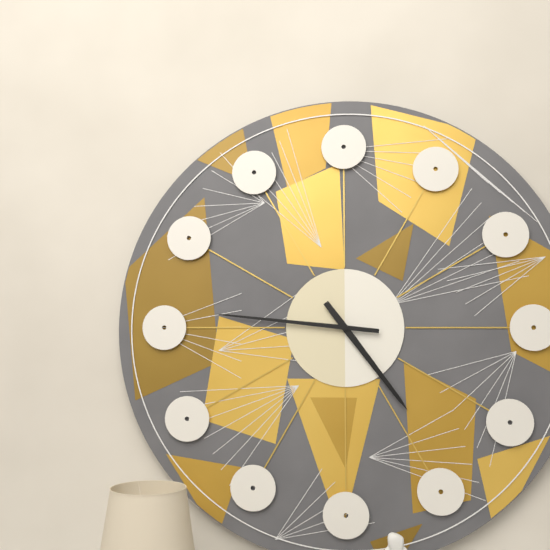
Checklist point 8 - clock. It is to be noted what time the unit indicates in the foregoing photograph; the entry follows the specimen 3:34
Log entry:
4:46
